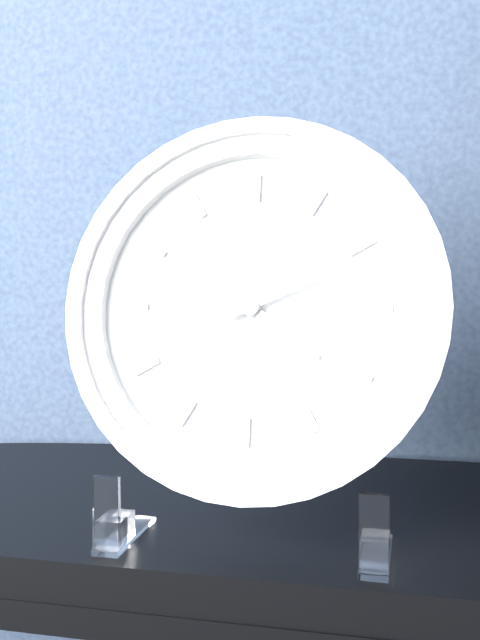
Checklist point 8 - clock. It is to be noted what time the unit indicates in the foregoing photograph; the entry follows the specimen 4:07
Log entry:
4:11
